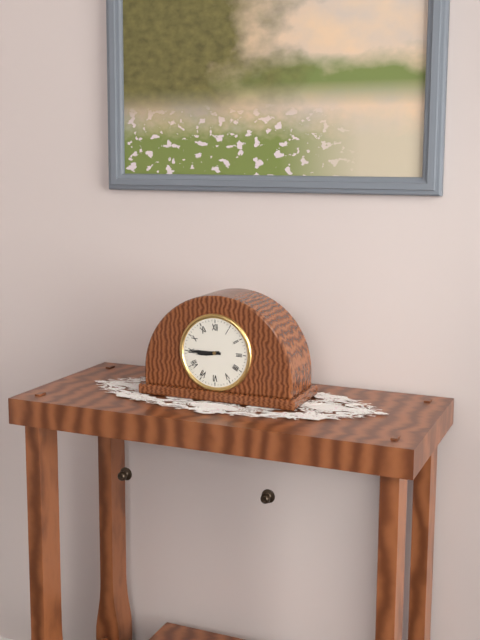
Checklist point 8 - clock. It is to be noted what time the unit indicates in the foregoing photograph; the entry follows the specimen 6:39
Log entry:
8:45
